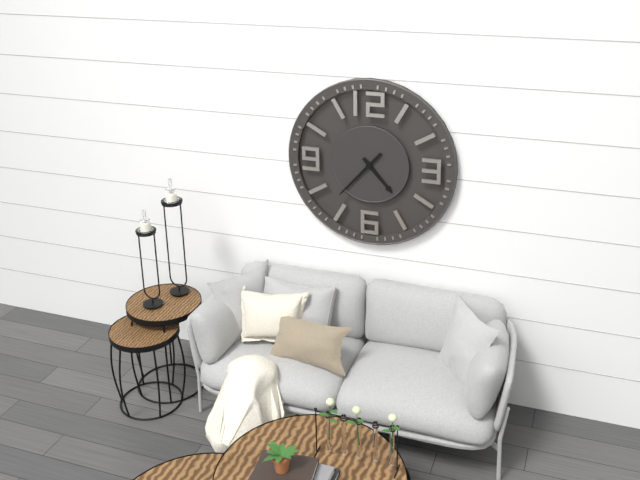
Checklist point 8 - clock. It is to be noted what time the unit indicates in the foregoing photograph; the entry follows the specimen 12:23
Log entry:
4:37
